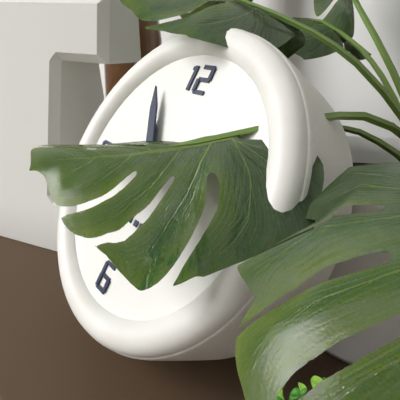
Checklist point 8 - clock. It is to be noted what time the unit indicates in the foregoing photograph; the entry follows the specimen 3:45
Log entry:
10:55
